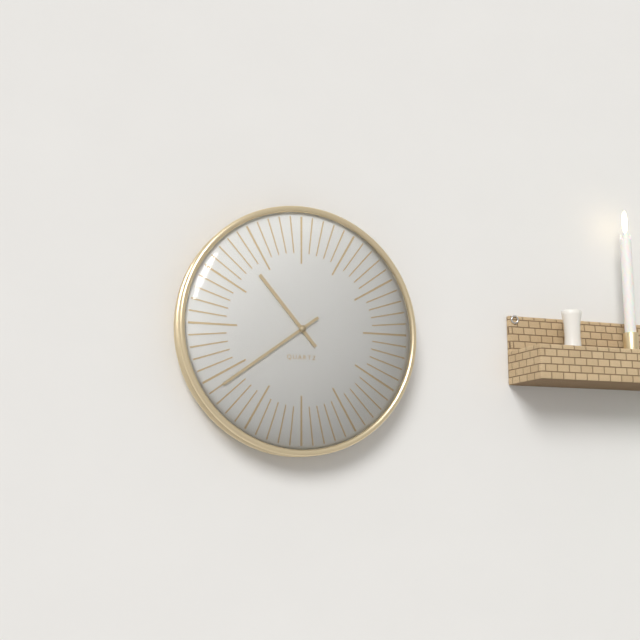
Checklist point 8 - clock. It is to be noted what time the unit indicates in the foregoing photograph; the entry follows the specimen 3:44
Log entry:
10:39
